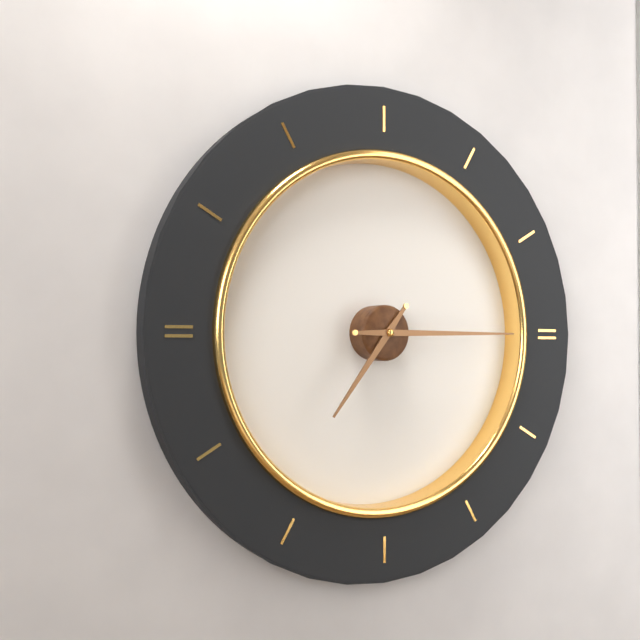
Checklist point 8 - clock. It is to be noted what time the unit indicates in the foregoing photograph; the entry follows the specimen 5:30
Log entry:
7:15
